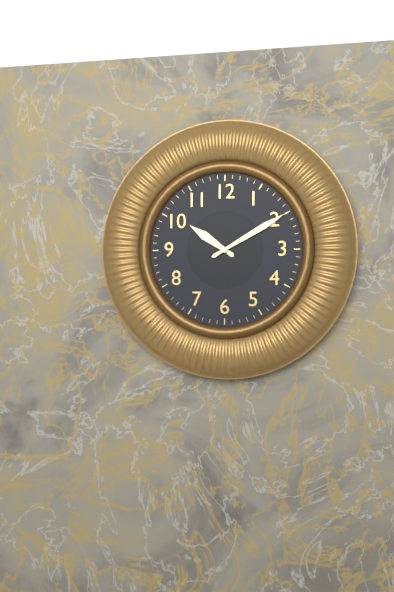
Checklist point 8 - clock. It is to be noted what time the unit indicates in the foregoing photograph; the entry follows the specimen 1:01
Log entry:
10:10
